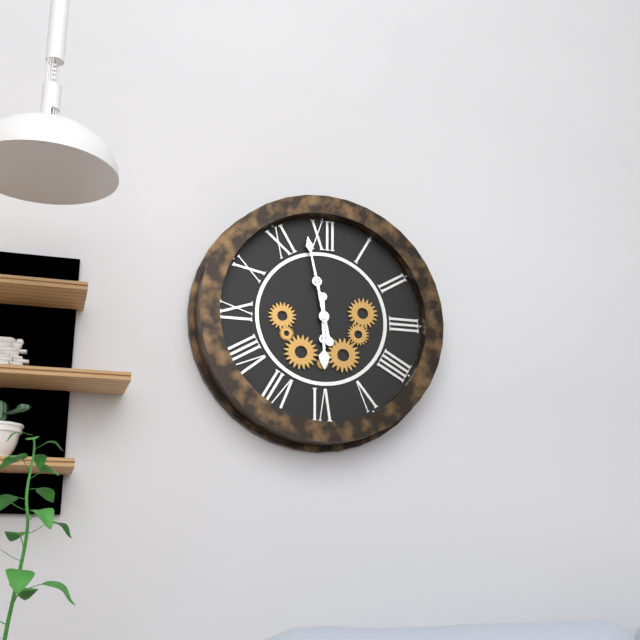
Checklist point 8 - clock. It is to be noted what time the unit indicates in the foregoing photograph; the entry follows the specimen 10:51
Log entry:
5:58
